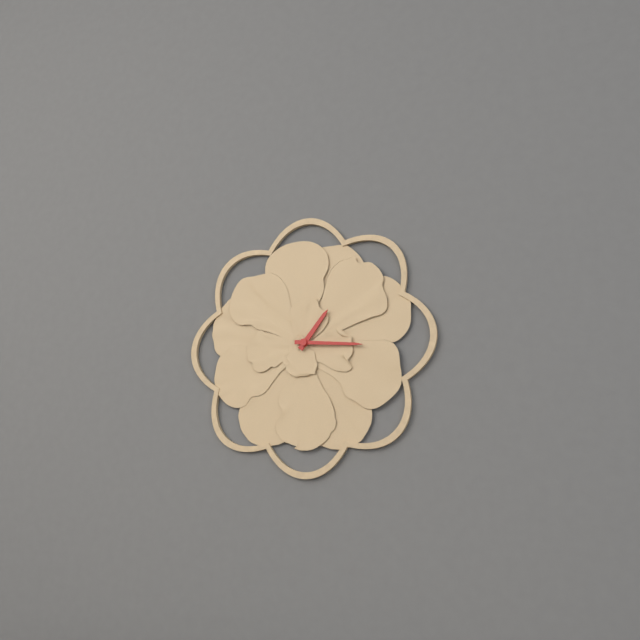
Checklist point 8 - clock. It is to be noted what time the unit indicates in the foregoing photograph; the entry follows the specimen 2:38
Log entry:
1:16
